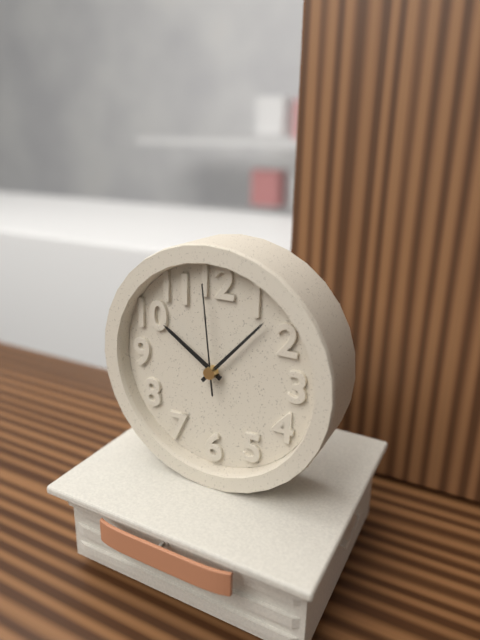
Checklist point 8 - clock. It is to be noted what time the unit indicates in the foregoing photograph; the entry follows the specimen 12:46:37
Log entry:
10:07:59
